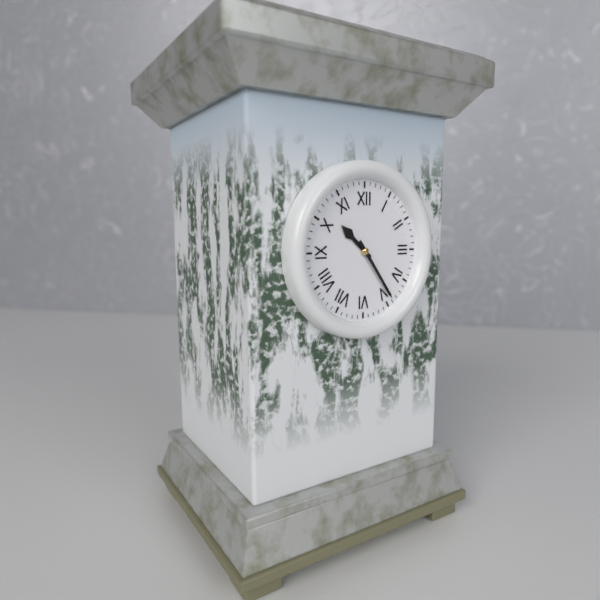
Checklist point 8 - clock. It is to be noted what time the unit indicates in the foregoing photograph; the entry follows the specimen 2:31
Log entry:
10:24
